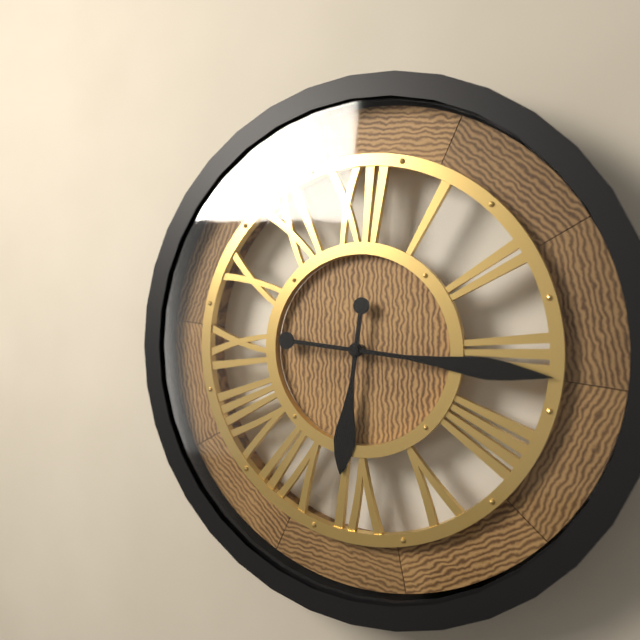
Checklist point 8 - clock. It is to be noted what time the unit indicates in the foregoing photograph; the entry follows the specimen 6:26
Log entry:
6:16
